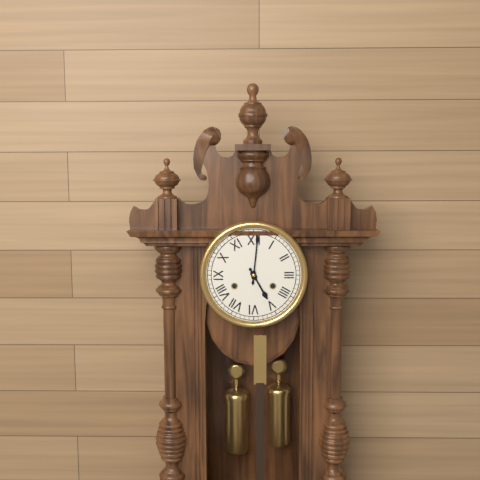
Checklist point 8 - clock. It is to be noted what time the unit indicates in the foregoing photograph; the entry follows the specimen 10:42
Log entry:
5:01
